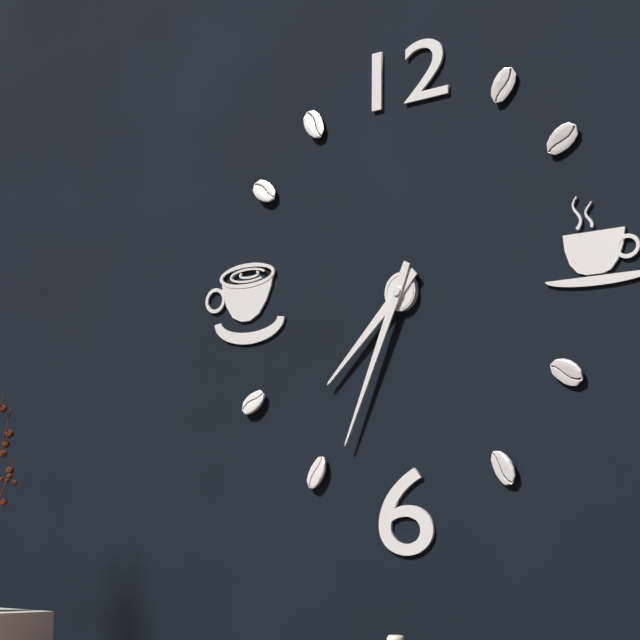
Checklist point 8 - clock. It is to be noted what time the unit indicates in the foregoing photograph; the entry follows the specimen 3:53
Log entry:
7:34
